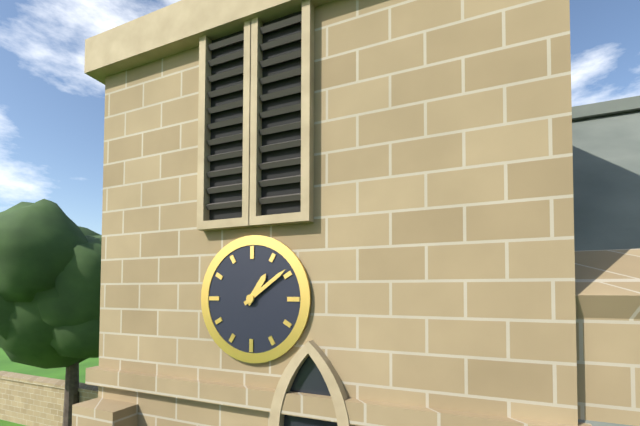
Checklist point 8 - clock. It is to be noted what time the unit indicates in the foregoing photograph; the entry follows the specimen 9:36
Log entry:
1:09
